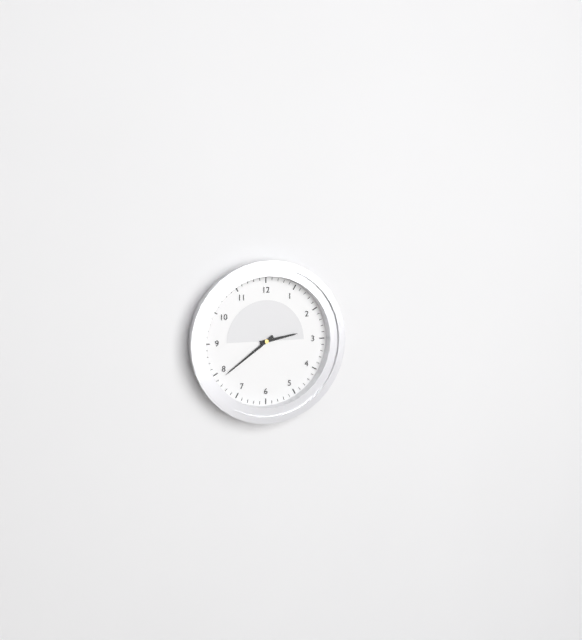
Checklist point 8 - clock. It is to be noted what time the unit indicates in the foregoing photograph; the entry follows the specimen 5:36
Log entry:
2:39
